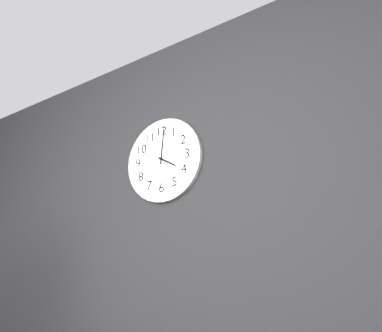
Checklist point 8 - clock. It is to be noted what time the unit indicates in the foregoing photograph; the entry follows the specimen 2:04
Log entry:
4:01
